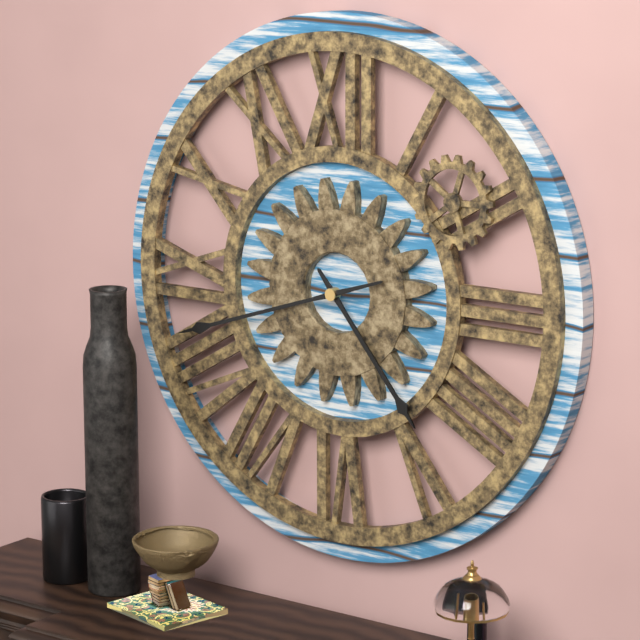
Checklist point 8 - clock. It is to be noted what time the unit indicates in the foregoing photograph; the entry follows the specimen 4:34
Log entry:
4:42
